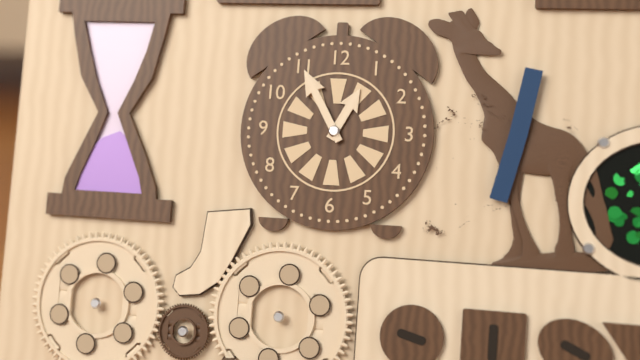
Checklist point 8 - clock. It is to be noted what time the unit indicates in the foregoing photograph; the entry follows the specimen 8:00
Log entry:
12:55
